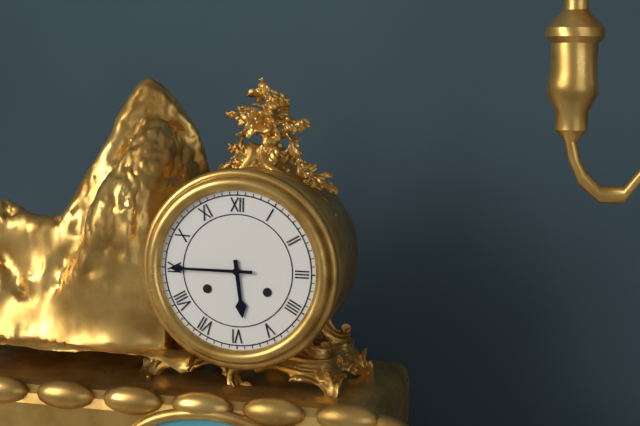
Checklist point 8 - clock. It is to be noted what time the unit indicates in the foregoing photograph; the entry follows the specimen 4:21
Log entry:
5:45
